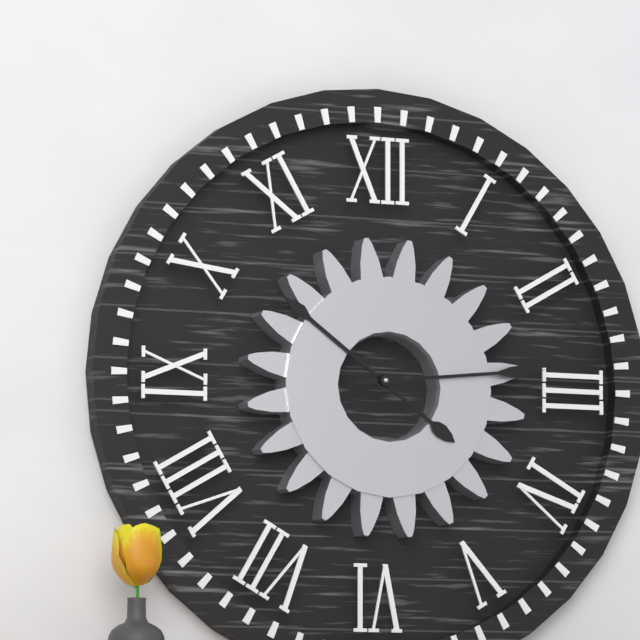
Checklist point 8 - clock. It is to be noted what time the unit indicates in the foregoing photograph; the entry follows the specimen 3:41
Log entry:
10:14
